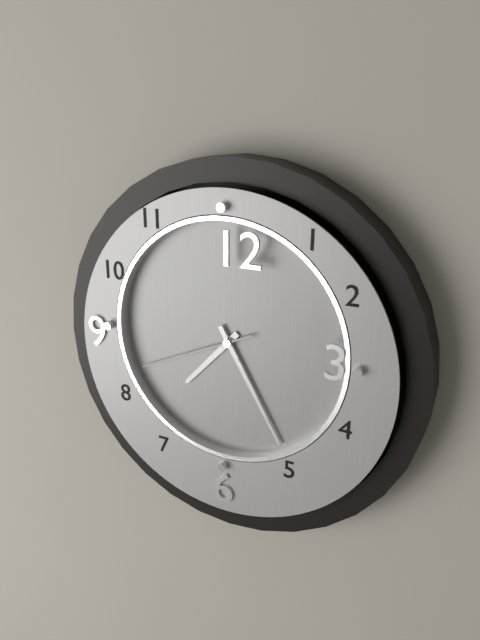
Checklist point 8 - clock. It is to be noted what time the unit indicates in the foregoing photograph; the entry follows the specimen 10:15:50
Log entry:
7:25:41
